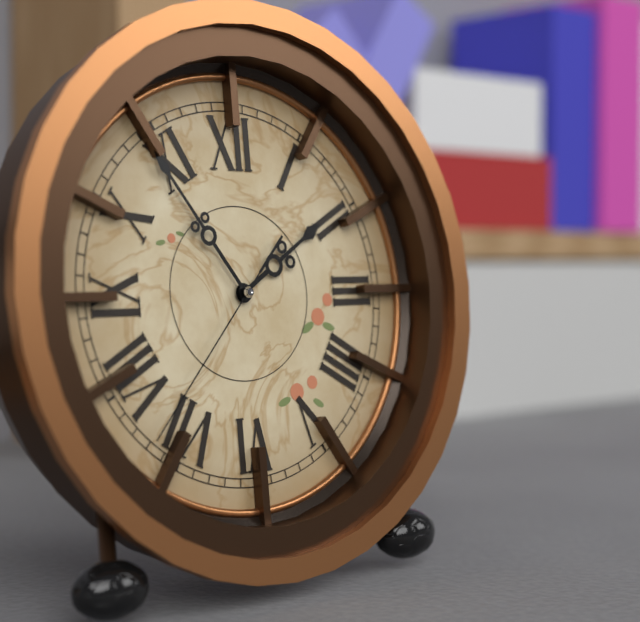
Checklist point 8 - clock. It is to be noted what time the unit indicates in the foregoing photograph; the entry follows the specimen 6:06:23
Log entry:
1:54:37
